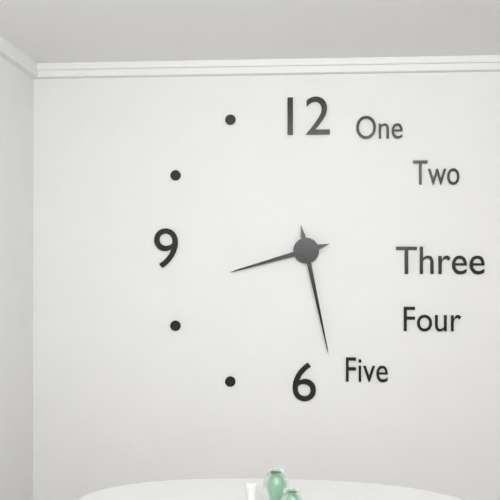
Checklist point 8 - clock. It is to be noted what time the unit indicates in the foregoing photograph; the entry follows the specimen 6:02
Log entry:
8:28
